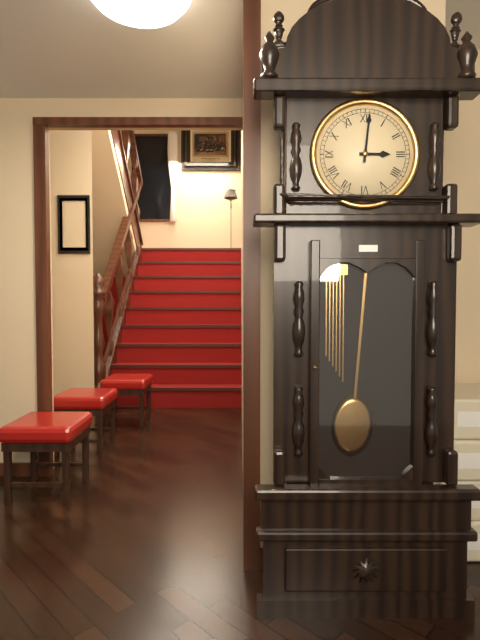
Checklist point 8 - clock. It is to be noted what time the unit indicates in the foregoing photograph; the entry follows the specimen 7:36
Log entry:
3:01
